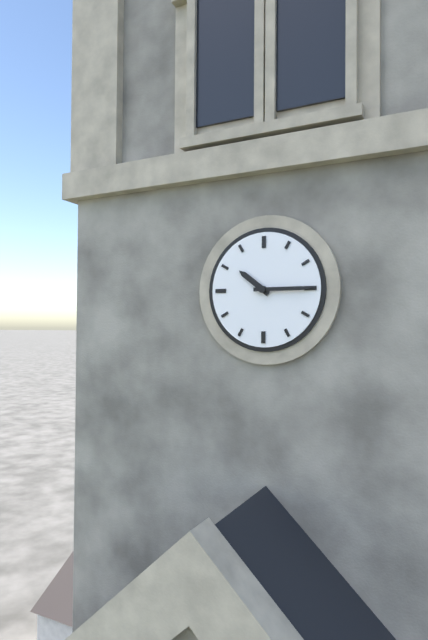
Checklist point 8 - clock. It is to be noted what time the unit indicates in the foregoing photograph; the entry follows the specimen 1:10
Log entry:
10:15
